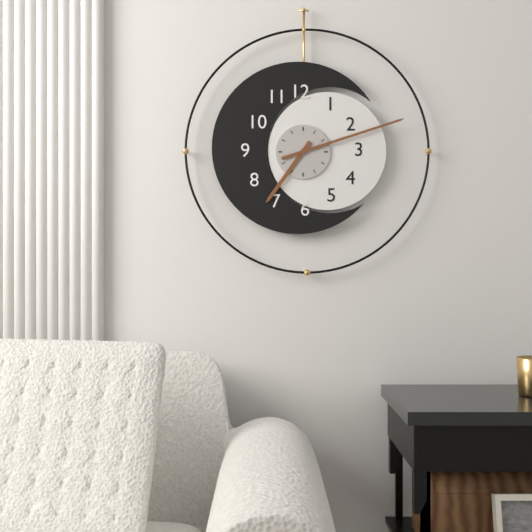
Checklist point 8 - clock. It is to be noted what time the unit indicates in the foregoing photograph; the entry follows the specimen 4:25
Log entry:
7:12
